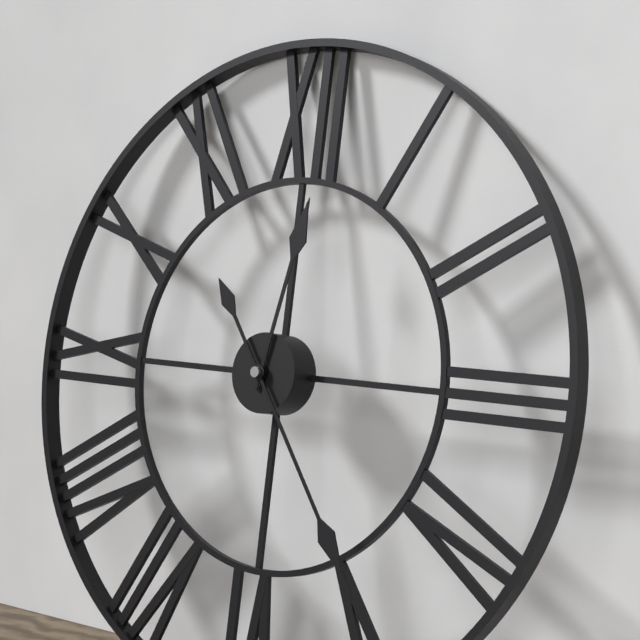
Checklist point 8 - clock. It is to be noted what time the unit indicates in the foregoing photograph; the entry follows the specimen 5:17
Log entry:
12:24
